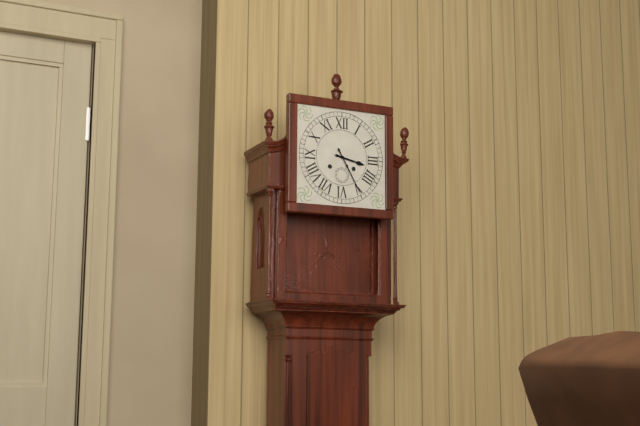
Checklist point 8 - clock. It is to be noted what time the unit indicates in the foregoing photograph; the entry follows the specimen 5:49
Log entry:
3:25
